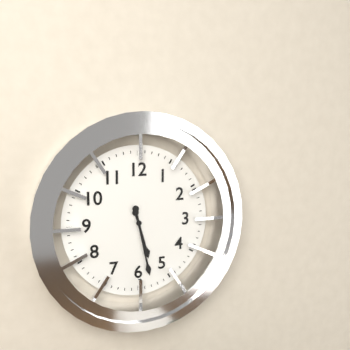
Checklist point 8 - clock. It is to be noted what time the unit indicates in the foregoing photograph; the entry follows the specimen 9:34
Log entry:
5:28
